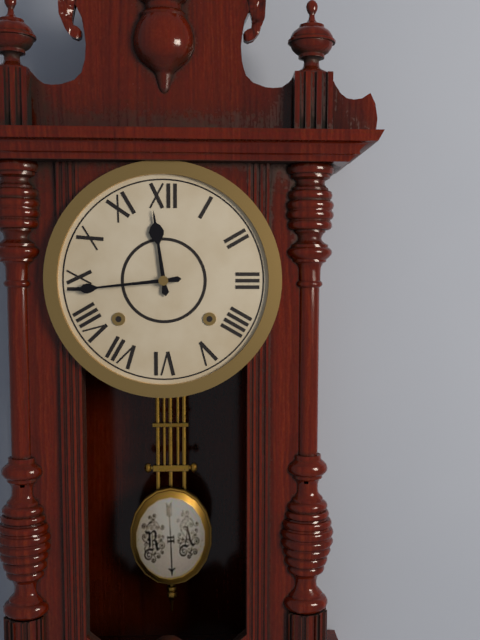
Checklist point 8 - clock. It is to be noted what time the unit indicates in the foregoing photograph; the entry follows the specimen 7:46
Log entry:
11:44
